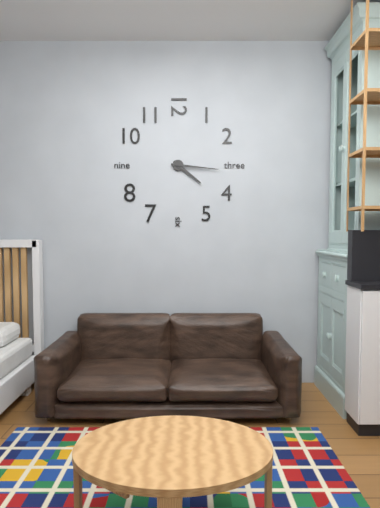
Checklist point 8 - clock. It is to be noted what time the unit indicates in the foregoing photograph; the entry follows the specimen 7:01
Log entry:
4:16
